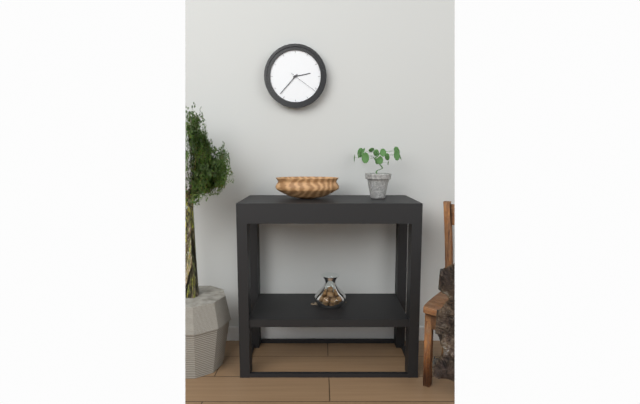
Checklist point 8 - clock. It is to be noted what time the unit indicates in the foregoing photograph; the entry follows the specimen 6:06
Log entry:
2:37
